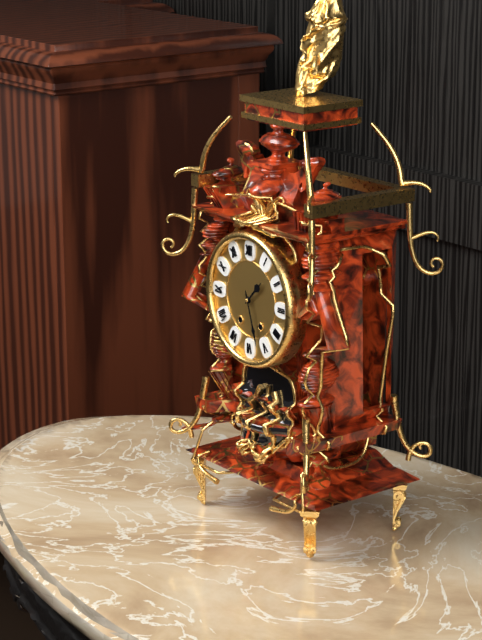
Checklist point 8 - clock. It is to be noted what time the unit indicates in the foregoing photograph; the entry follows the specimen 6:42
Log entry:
1:27
